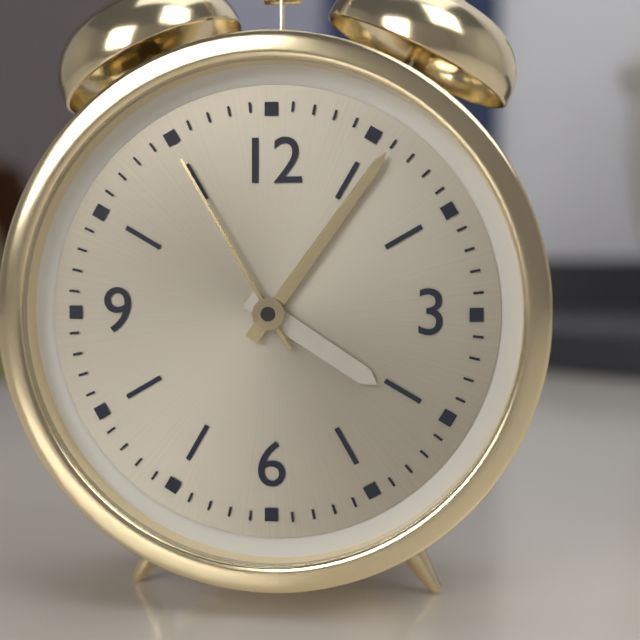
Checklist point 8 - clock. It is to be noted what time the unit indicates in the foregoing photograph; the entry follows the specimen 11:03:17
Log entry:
4:06:55
